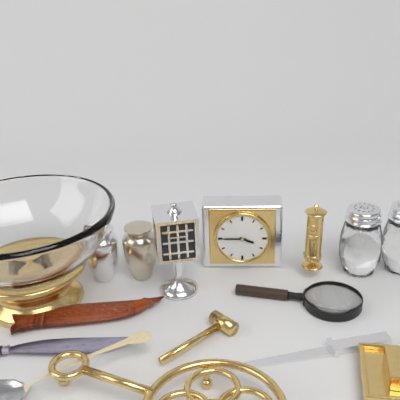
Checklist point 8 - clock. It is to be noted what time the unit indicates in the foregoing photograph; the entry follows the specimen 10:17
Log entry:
3:45
